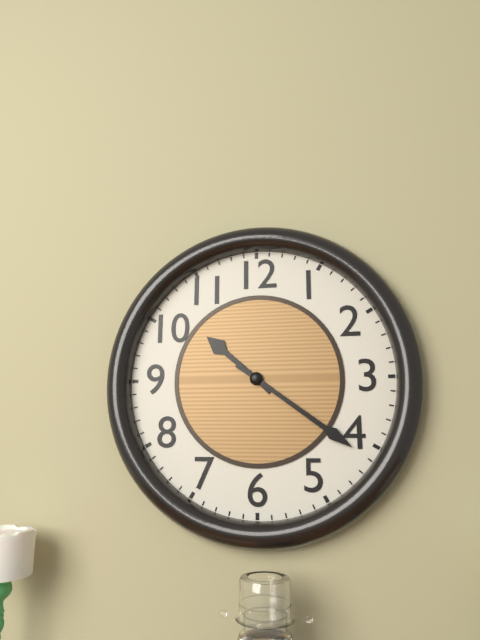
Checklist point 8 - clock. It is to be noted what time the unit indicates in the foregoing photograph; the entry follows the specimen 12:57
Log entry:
10:21
